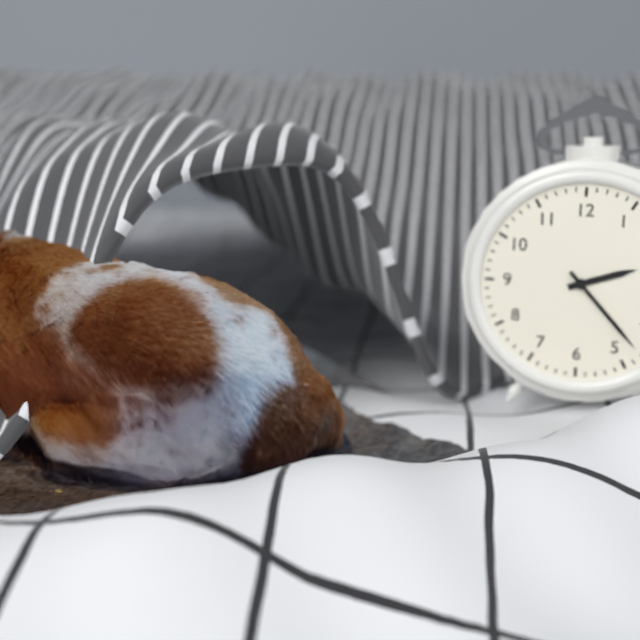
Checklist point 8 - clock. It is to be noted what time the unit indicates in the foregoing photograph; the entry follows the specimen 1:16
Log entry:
2:23
